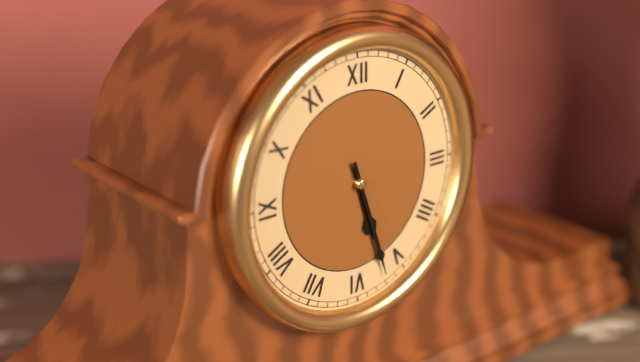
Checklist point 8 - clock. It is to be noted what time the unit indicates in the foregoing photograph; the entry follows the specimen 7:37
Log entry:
5:27
